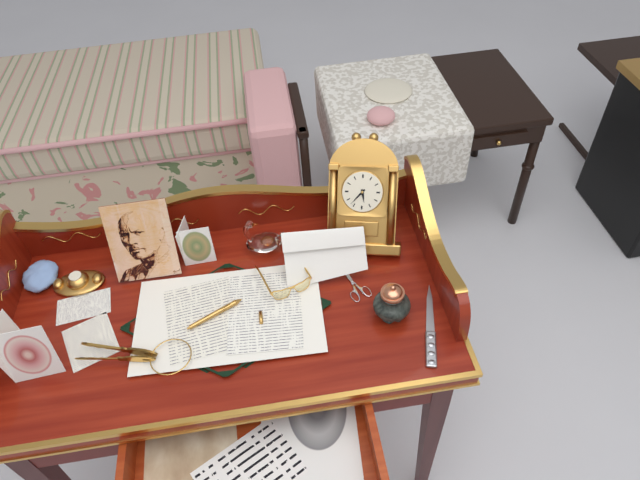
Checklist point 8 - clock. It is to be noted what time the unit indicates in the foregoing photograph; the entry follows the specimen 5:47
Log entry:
5:37
